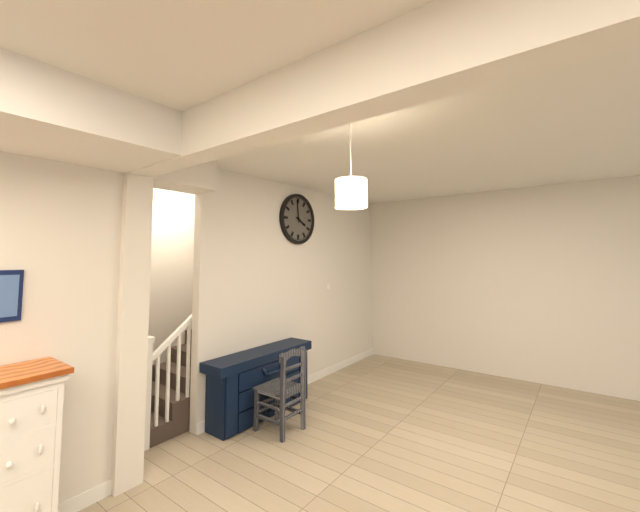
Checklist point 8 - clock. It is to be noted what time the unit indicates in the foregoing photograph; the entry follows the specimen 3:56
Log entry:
3:59
